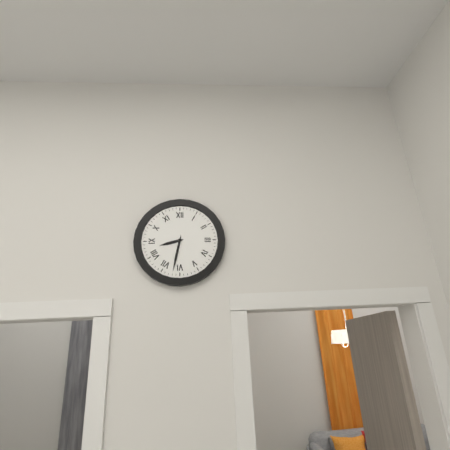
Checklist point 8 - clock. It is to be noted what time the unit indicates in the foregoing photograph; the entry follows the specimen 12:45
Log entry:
8:32
